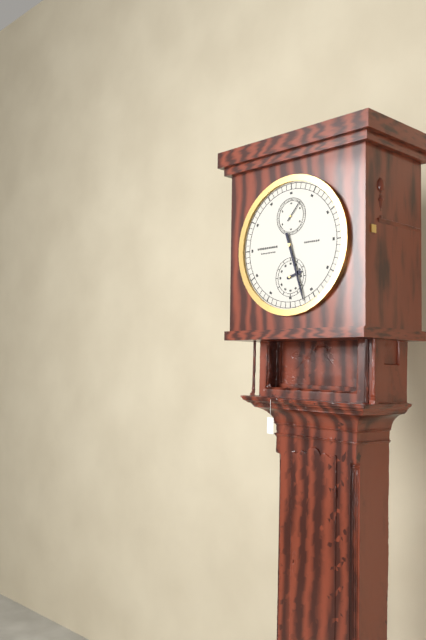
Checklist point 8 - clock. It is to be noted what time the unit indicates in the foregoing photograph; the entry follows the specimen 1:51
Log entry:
2:27
